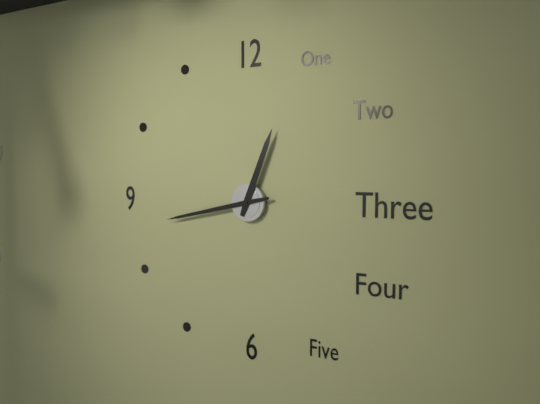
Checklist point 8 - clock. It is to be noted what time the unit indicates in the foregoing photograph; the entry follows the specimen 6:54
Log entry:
12:43
